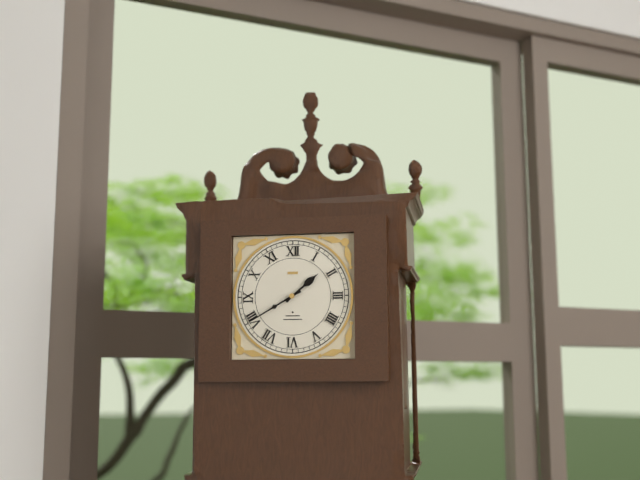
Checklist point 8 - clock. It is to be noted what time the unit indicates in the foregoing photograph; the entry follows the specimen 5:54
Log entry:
1:40
